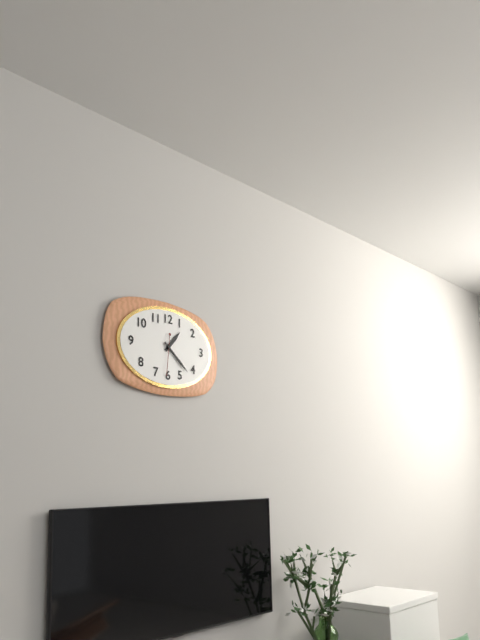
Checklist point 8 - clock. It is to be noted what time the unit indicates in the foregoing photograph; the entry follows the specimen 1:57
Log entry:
1:22
